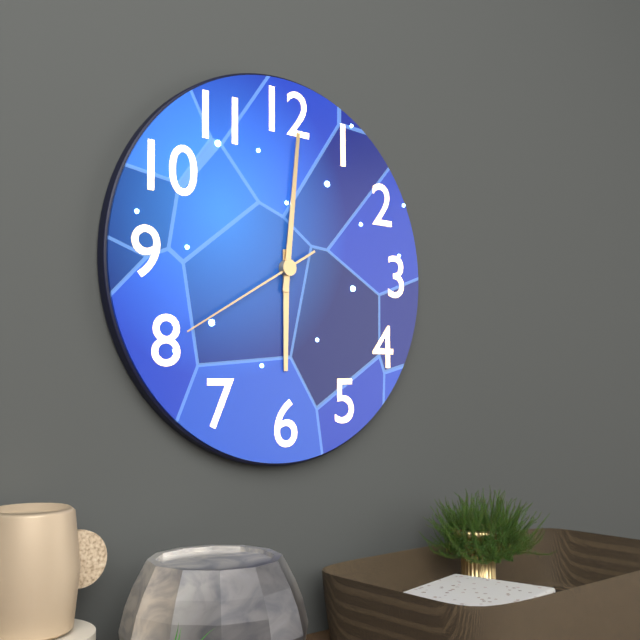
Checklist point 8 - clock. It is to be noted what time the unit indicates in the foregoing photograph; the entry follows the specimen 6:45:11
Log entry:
6:01:40
